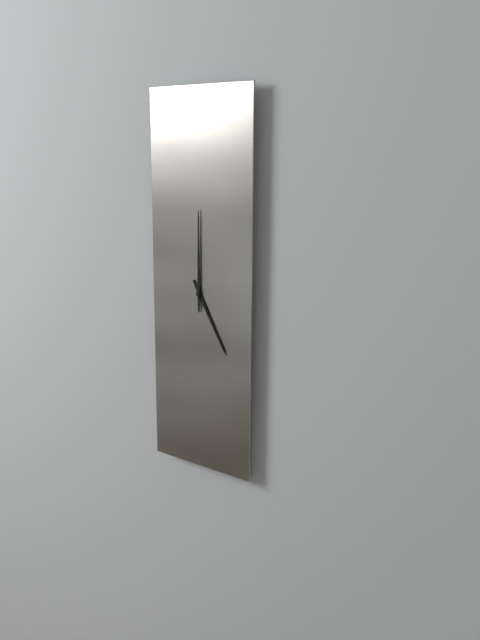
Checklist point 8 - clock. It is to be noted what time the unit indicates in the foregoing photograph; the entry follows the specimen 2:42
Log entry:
5:00
